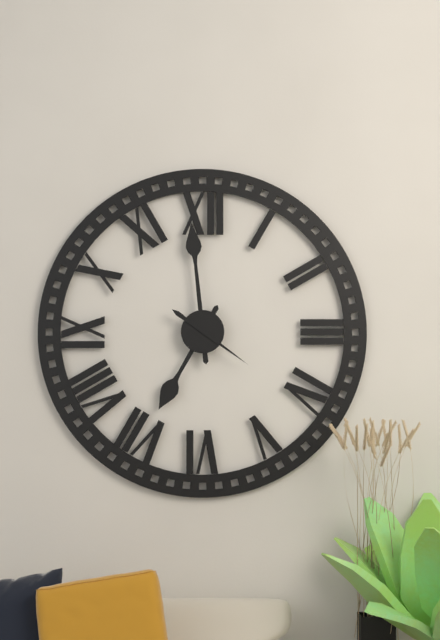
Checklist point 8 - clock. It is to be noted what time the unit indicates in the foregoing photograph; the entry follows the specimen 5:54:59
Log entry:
6:59:21
